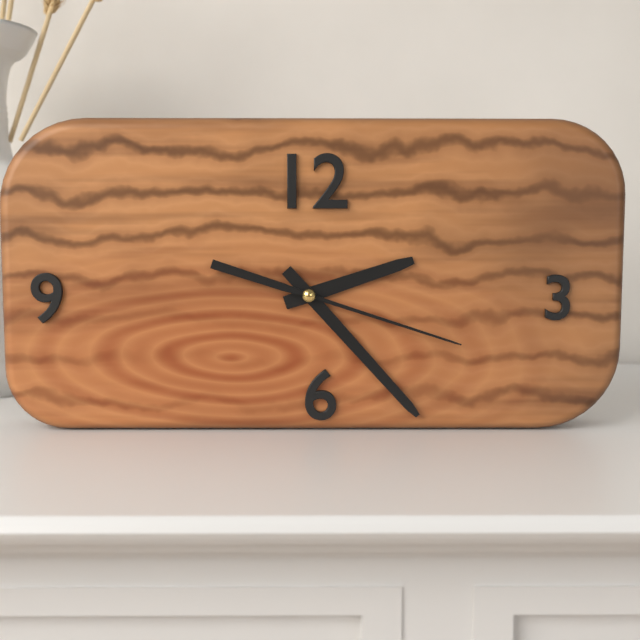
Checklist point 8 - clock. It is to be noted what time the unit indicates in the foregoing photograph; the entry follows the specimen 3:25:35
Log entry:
2:23:18
